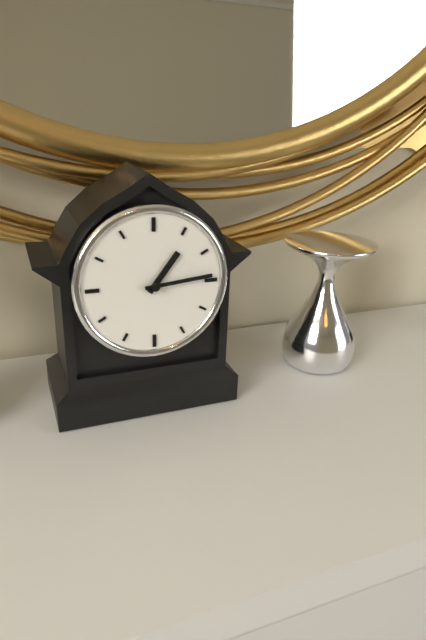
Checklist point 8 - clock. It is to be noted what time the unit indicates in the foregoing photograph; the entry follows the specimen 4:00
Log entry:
1:14
